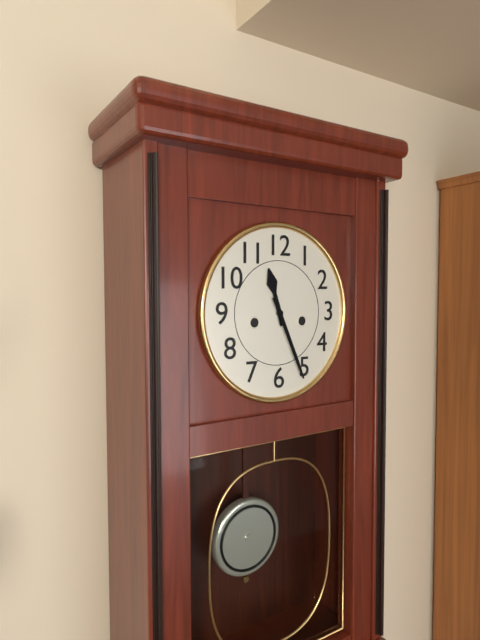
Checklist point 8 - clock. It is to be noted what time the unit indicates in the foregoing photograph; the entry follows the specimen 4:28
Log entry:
11:26
